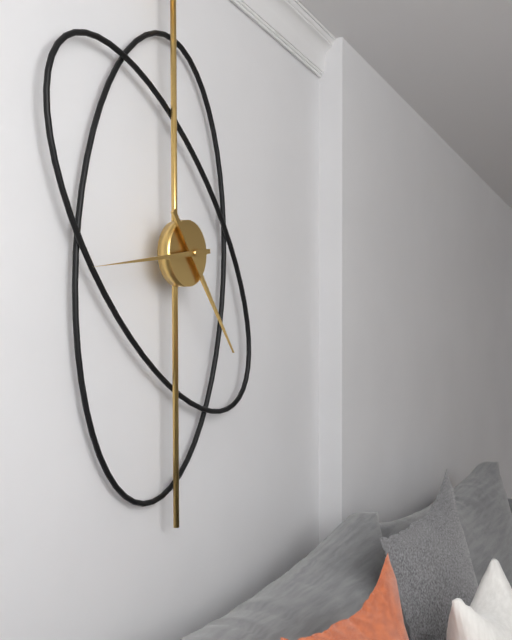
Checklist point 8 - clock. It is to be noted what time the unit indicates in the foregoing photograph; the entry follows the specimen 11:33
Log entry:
4:44
